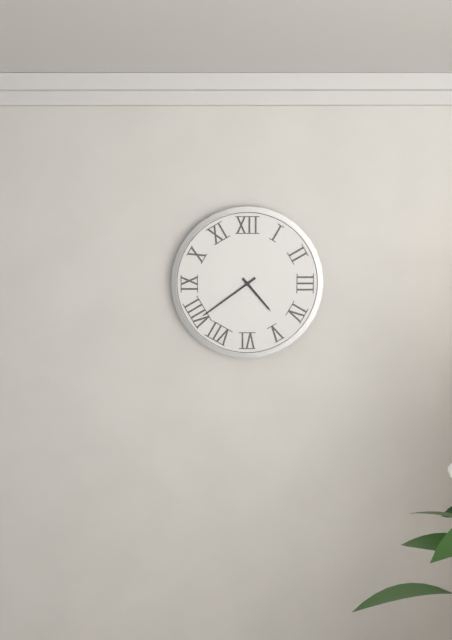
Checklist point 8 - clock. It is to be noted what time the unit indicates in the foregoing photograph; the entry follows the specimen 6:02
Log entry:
4:39
